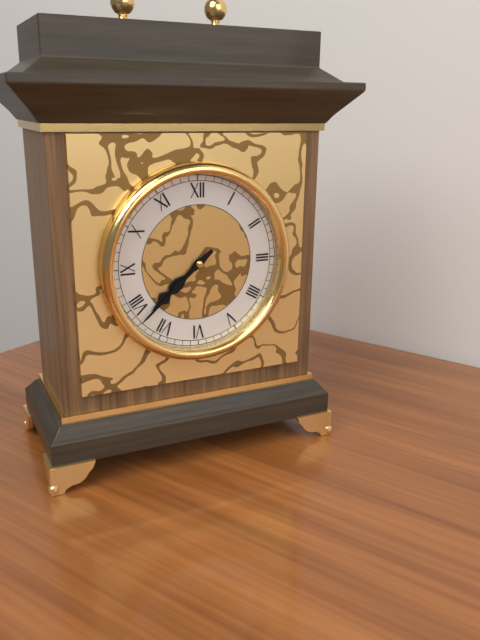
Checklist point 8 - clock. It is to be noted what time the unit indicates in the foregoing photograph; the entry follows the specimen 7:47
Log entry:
7:38
